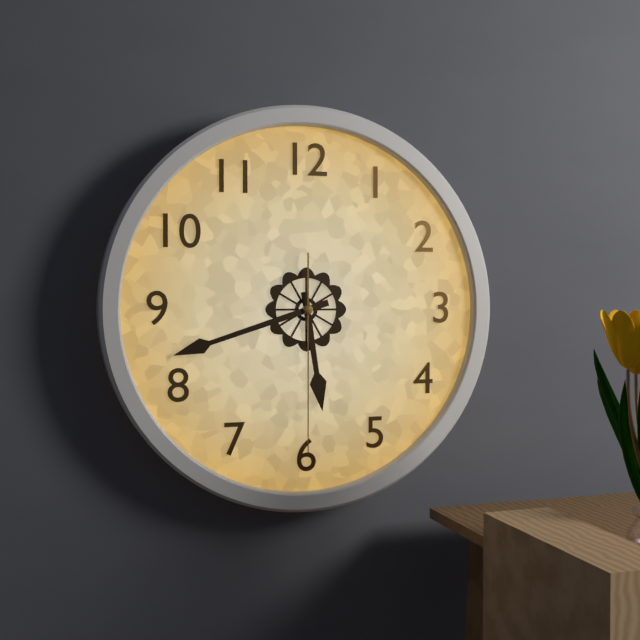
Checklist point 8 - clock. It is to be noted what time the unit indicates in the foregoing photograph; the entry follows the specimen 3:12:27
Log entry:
5:42:30
